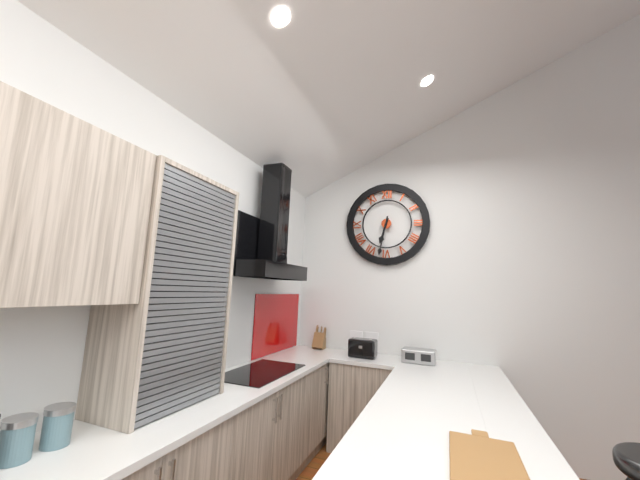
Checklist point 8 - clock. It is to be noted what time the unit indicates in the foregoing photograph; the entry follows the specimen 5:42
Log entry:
6:32
